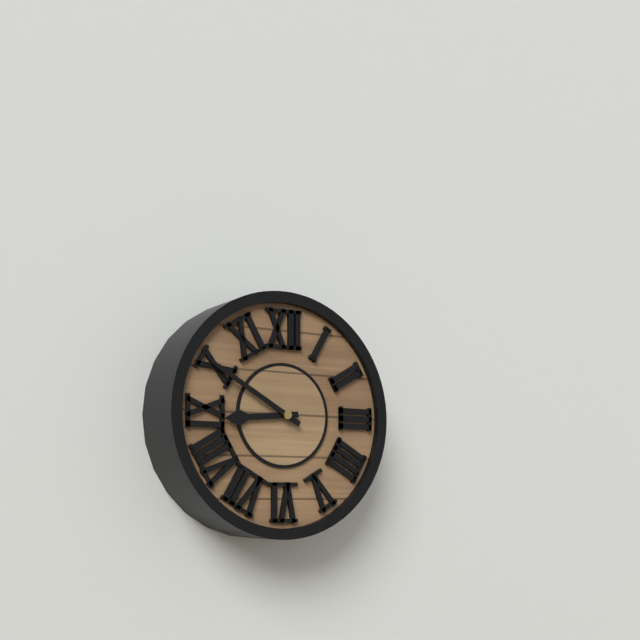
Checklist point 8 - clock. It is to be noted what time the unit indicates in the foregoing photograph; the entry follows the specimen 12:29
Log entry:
8:50
